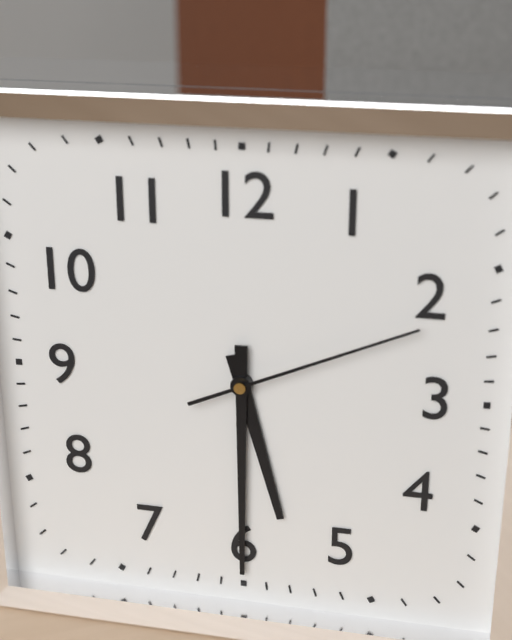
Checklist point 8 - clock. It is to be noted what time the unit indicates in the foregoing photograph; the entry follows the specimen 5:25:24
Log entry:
5:30:11
